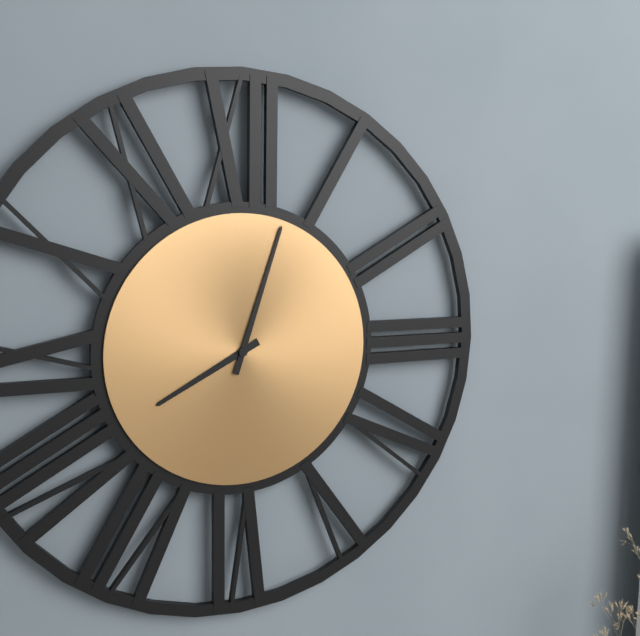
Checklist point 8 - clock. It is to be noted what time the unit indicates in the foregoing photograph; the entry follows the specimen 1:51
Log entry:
8:03
